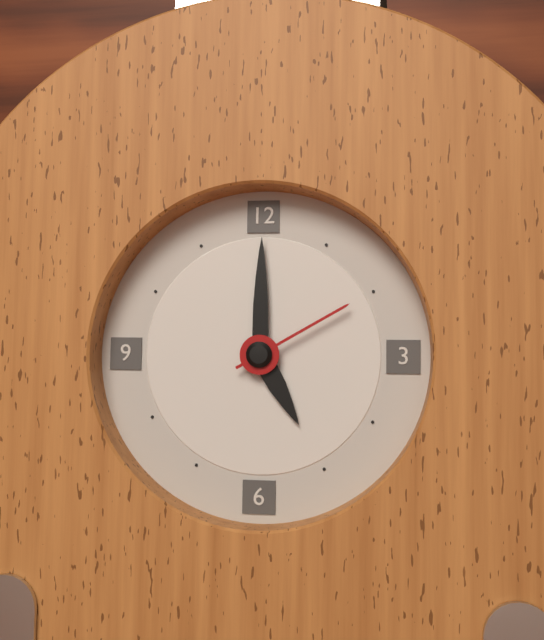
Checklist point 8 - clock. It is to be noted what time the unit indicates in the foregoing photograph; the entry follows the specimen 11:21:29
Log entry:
5:00:10
